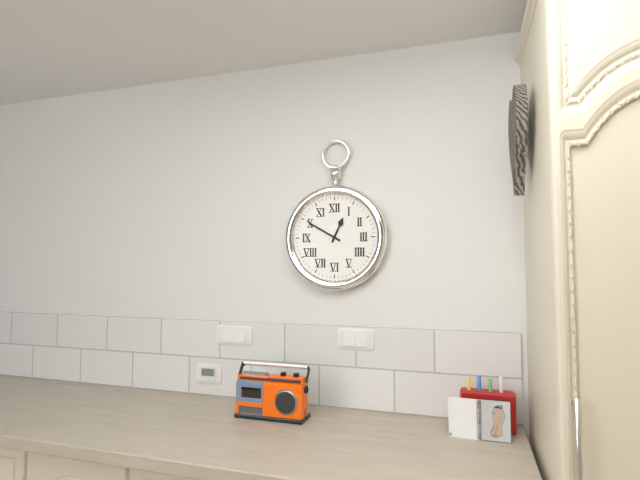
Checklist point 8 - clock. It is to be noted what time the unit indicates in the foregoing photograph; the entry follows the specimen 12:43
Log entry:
12:50
